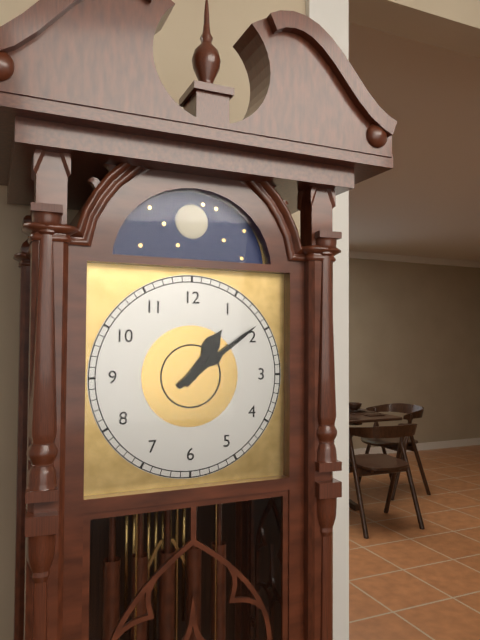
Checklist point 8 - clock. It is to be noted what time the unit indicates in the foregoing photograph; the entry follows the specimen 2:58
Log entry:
1:09
